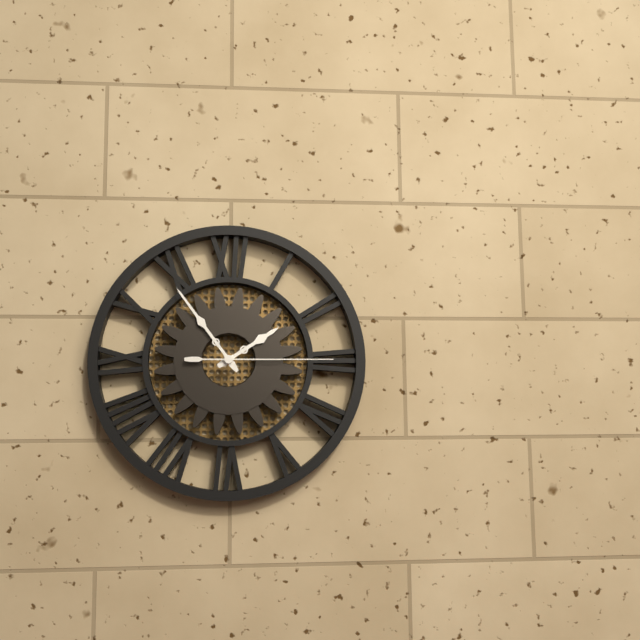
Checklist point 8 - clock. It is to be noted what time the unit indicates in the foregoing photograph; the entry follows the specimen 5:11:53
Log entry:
1:54:15
